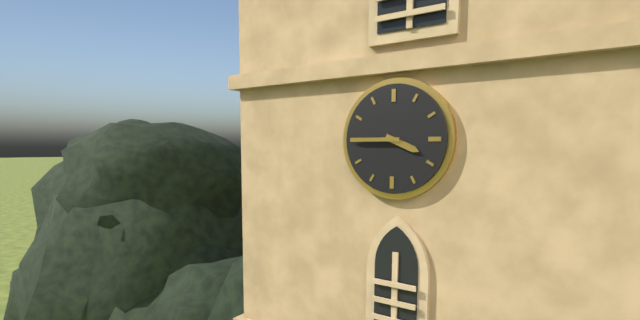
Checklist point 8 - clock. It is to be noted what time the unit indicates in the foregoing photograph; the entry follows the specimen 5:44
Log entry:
3:45
